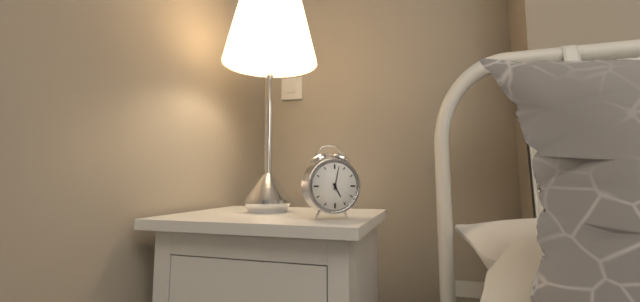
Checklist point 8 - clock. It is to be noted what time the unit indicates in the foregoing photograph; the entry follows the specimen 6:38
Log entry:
5:02
